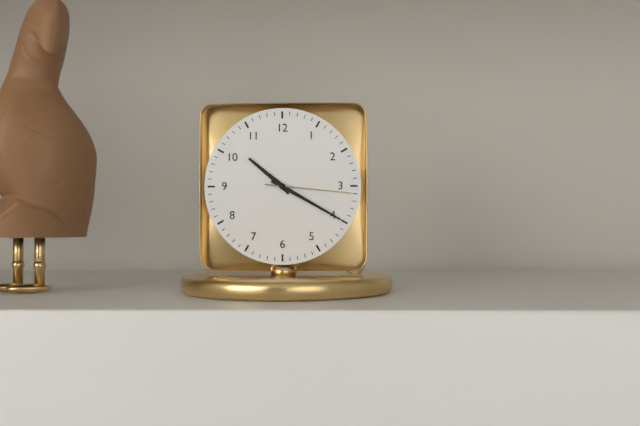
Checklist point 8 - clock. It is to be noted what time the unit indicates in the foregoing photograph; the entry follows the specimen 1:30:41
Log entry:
10:20:16
